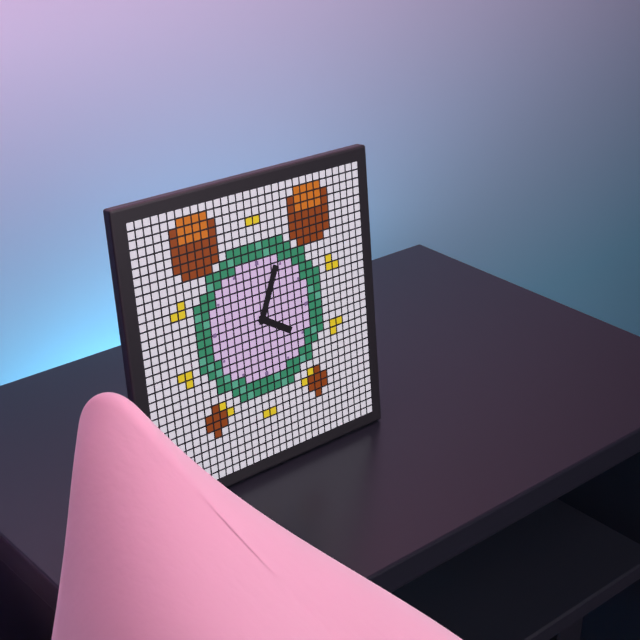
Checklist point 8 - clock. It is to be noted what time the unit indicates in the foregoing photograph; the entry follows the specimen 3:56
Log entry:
4:04
